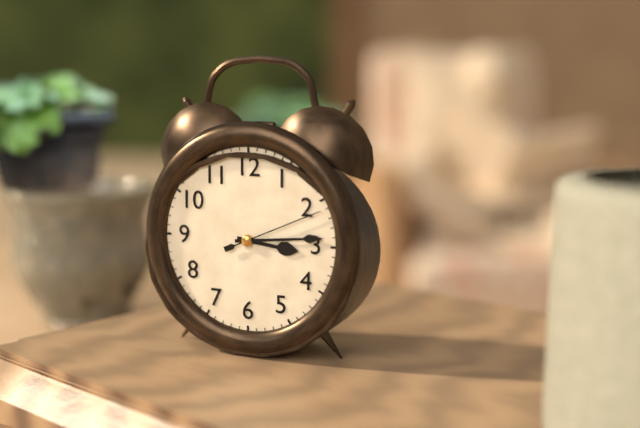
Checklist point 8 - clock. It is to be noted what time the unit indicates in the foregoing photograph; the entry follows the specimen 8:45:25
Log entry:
3:14:11
